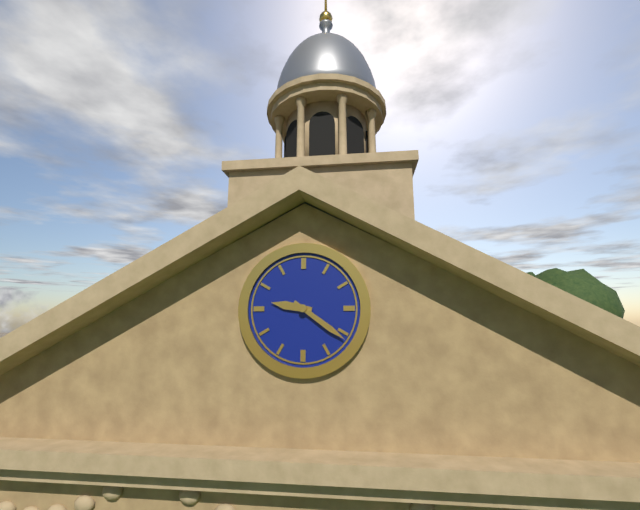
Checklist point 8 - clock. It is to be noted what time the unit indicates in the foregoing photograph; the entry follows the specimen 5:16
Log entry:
9:21
